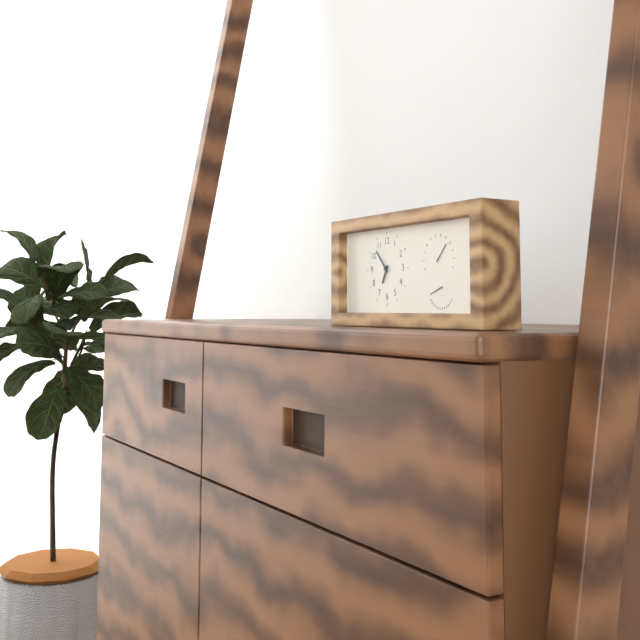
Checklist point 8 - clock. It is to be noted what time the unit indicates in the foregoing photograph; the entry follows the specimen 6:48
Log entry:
6:53
